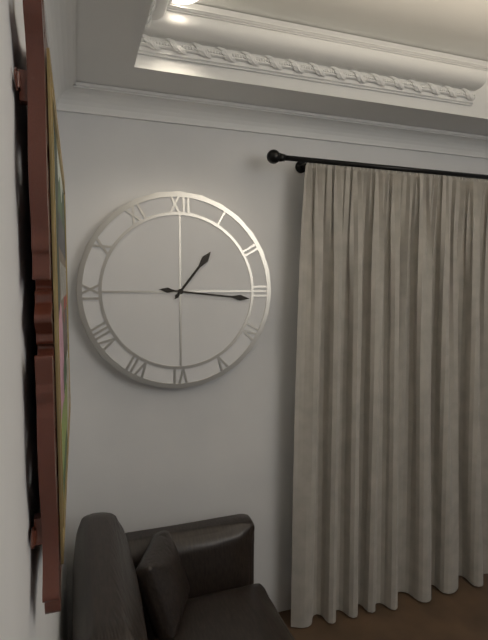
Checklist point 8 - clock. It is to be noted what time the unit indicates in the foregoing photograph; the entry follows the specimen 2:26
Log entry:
1:16
